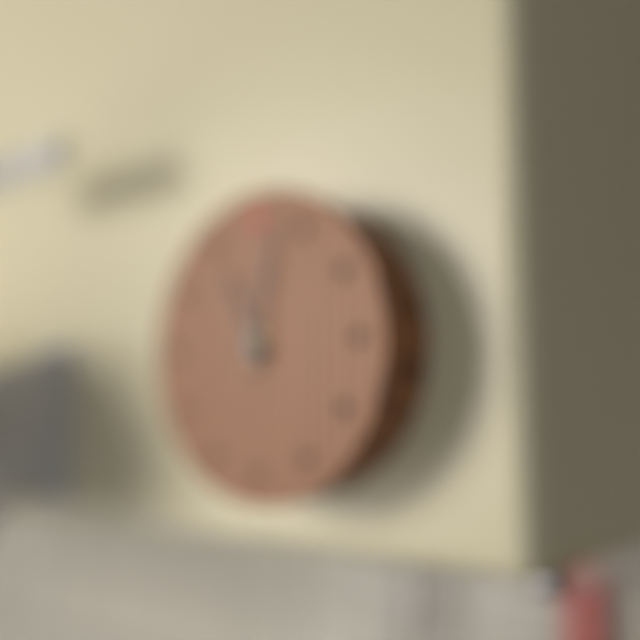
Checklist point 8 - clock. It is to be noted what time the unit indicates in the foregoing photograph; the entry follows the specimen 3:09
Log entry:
11:02
